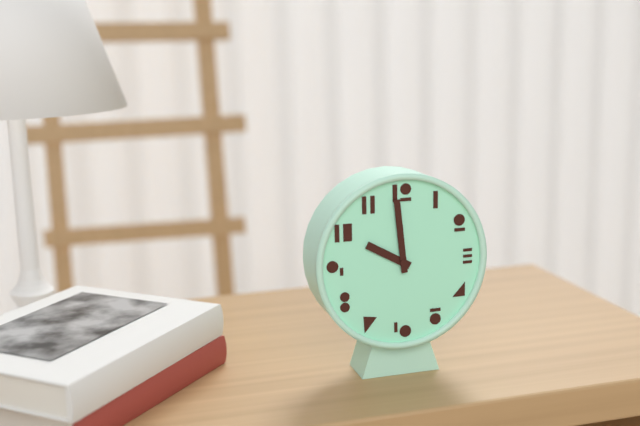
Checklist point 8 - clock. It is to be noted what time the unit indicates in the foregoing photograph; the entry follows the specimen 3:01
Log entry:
9:59
